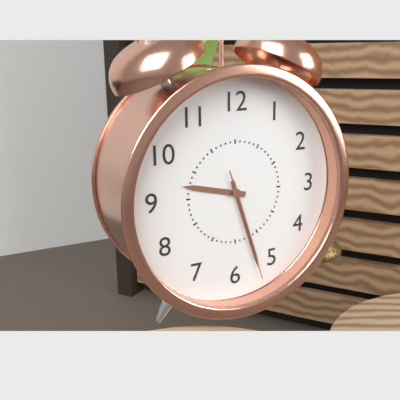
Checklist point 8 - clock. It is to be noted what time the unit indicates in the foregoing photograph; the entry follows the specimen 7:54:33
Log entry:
9:27:27
